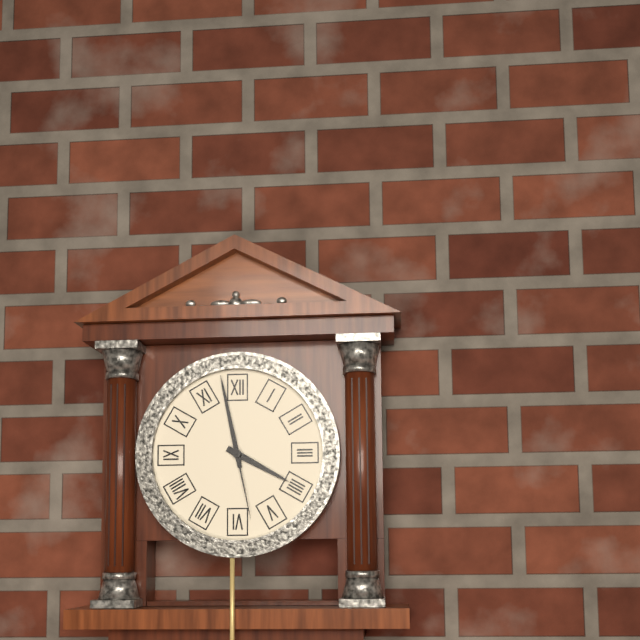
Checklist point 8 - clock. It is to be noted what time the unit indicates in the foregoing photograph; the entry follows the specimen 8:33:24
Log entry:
3:58:28
